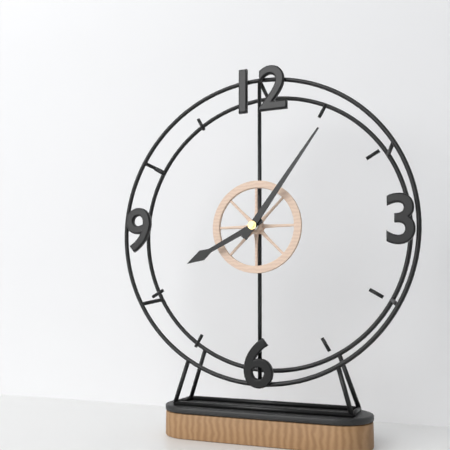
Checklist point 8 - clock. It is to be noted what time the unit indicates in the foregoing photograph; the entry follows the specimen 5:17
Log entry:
8:06
